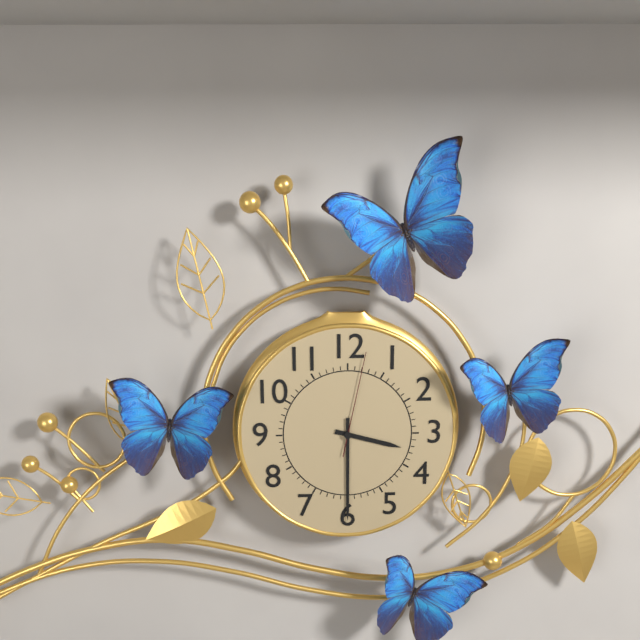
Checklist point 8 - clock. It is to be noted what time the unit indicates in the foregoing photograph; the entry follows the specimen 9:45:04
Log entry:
3:30:02
